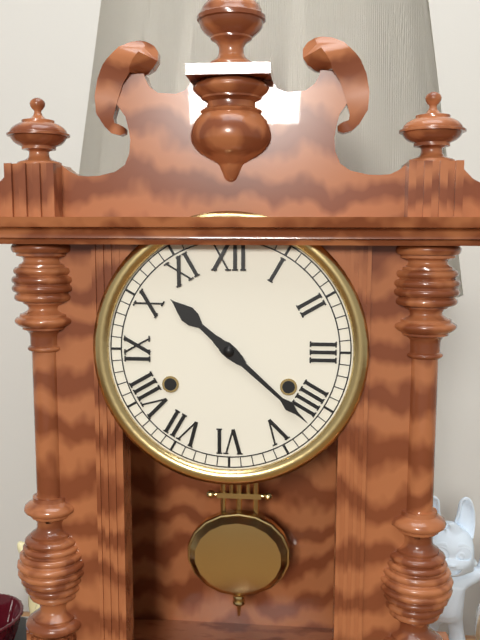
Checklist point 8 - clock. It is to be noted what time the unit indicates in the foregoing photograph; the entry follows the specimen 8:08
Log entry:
10:22
